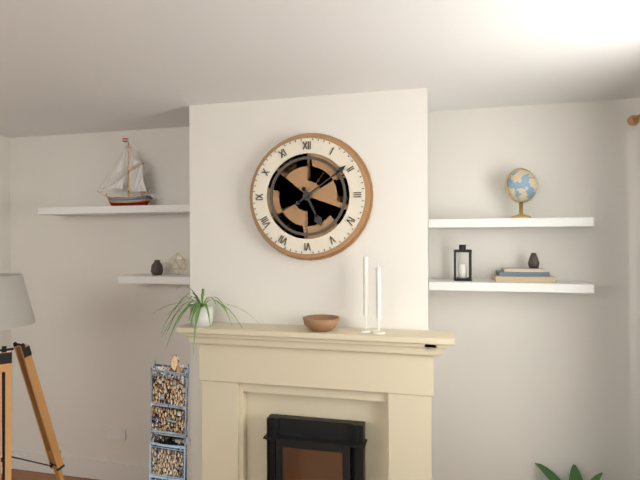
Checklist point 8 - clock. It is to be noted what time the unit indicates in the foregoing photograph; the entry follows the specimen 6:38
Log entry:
5:09
